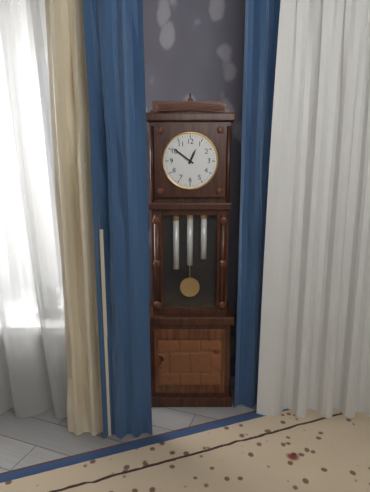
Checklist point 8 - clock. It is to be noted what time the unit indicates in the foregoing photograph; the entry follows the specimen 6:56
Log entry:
12:51
